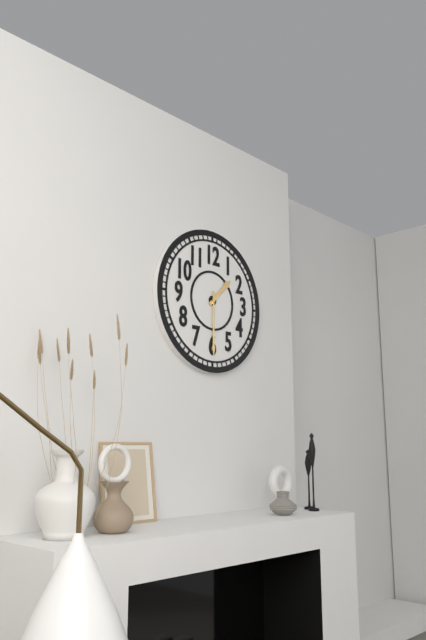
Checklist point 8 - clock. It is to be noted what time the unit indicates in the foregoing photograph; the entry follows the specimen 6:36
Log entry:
1:30
